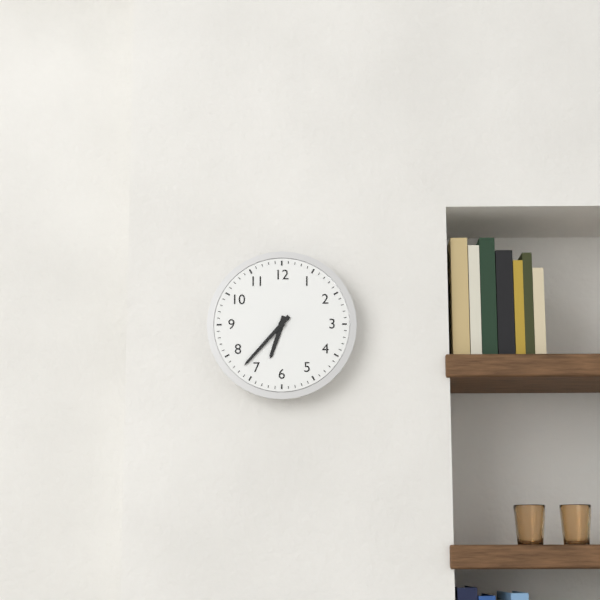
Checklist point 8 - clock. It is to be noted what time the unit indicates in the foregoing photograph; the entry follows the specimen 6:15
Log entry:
6:37
